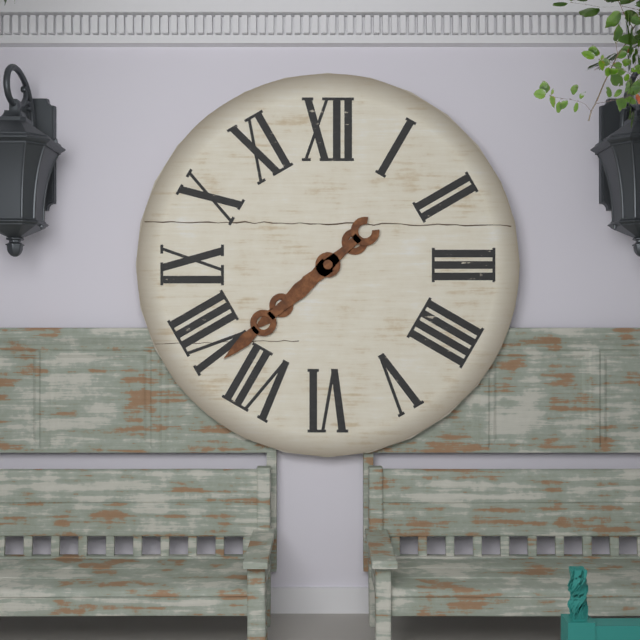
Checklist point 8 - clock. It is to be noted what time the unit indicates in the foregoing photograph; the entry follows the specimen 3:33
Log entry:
7:38
